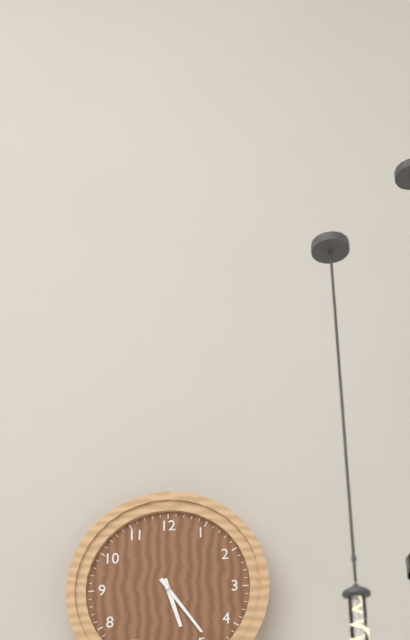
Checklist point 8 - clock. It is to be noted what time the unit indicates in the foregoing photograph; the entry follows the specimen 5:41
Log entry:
5:24
